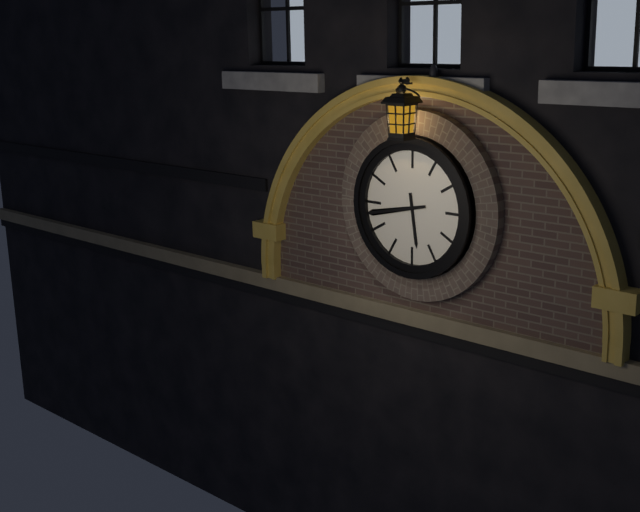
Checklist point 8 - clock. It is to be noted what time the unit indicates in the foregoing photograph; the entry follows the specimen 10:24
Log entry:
5:43
